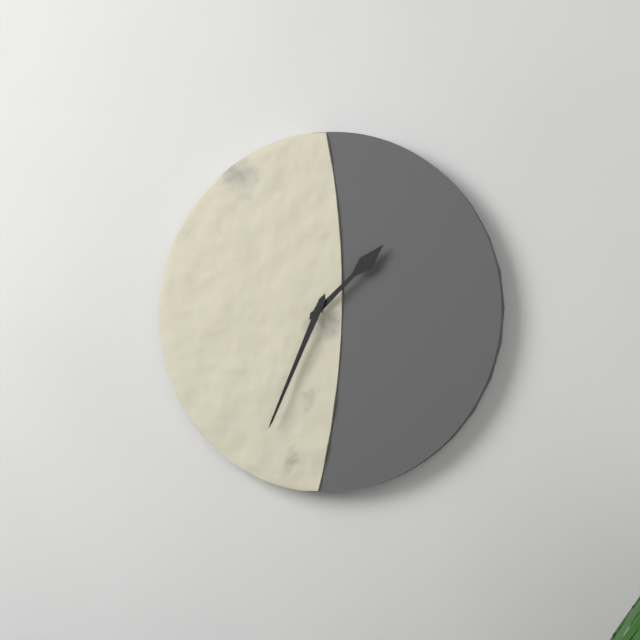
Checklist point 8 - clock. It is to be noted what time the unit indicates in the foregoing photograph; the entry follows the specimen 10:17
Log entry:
1:34
